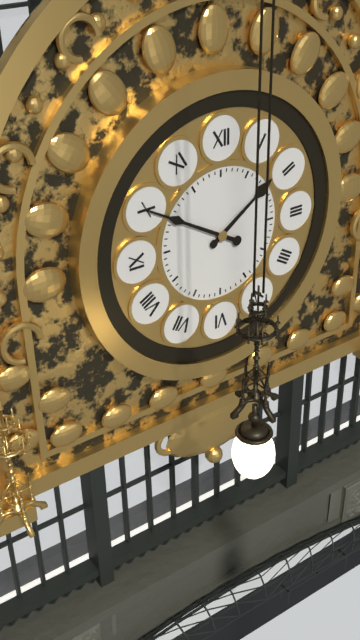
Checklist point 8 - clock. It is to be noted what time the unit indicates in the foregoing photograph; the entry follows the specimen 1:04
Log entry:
1:50
